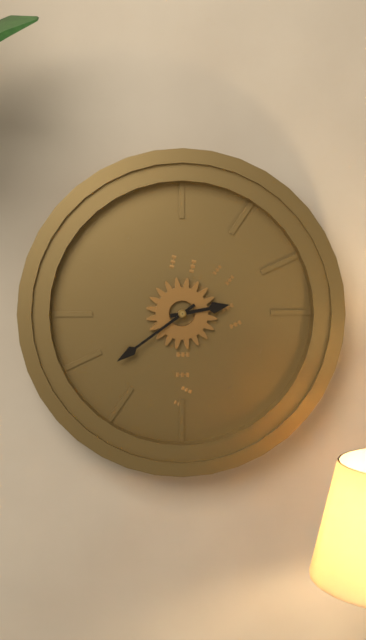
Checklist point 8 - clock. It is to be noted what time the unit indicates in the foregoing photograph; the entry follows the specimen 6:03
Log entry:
2:39
